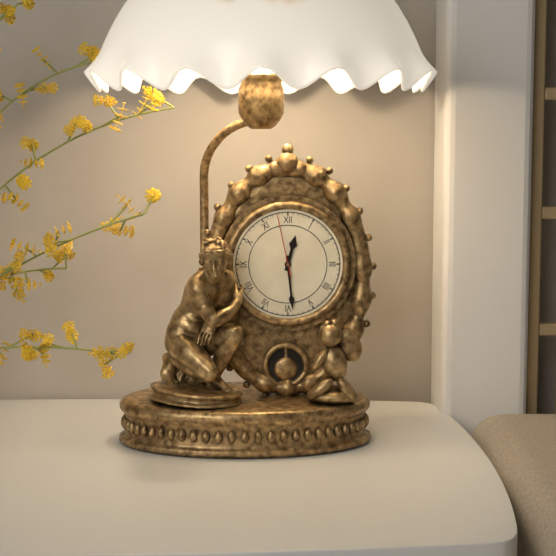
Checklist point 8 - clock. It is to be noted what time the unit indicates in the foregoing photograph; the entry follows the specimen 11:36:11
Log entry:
12:29:58
